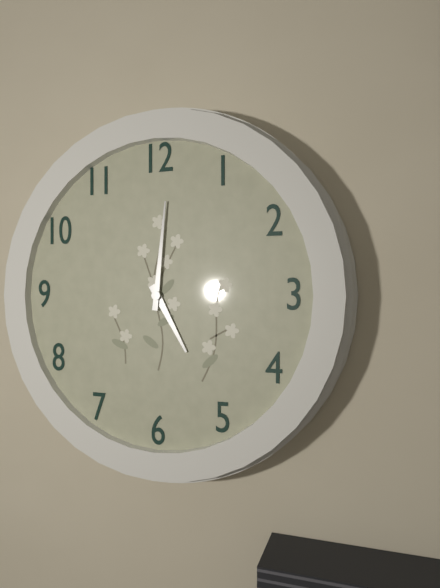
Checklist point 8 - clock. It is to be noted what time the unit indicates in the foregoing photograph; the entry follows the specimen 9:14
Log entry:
5:01
